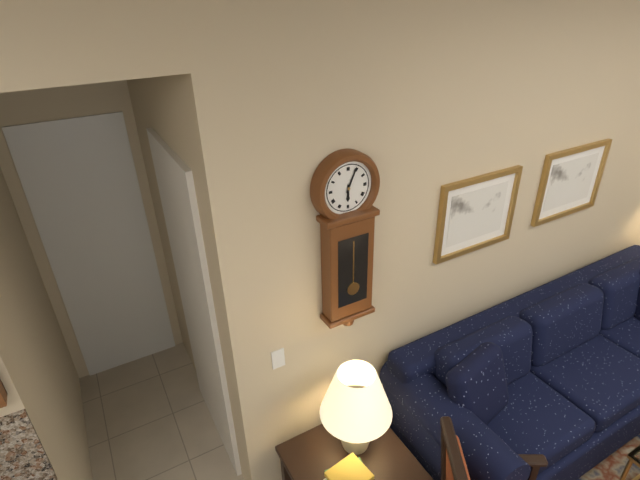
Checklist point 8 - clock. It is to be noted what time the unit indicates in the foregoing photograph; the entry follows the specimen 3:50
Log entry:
6:04
